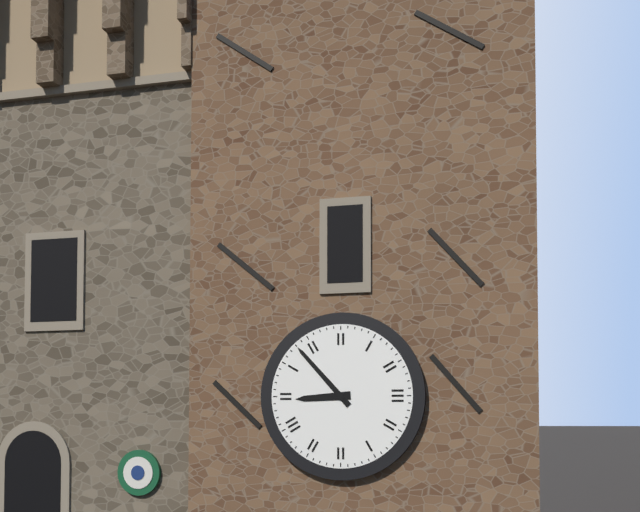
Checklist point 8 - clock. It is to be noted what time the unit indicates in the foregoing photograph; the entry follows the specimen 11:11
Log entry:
8:53
